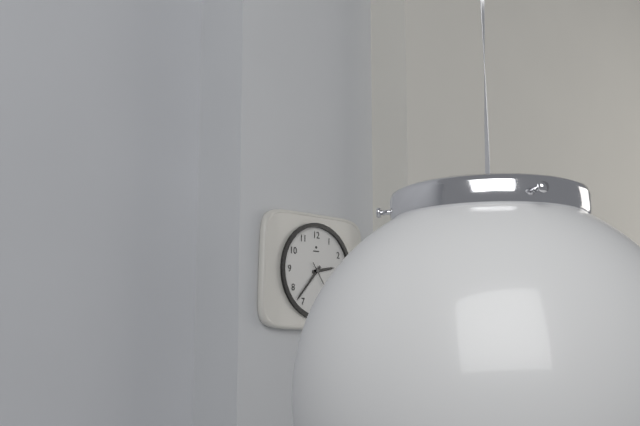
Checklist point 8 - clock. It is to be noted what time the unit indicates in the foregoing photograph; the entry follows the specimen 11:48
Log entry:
2:37
